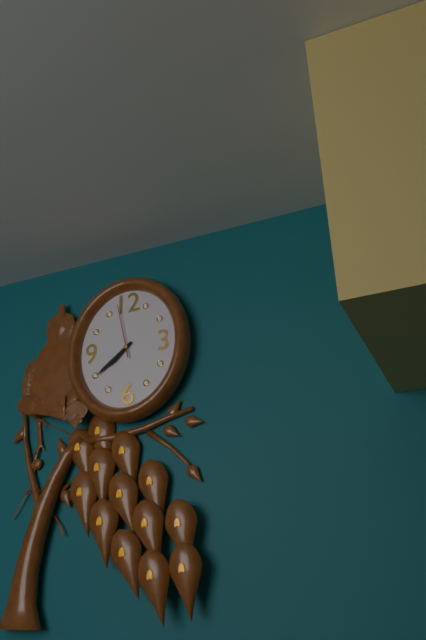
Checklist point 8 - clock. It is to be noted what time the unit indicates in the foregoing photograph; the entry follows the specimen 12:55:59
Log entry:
7:39:58
